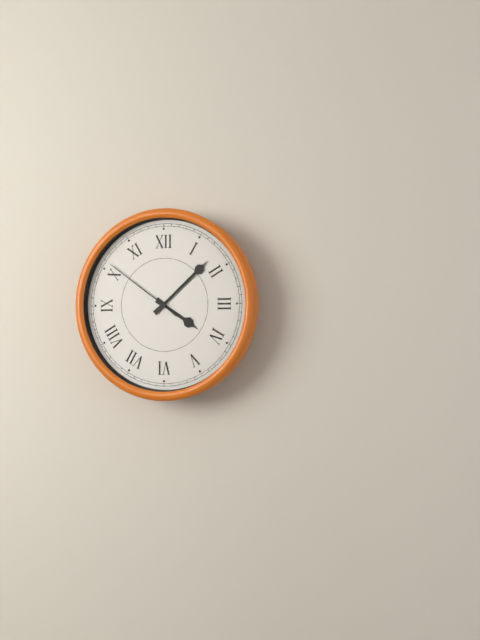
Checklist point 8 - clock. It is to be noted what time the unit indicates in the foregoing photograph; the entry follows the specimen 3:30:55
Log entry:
4:08:51
